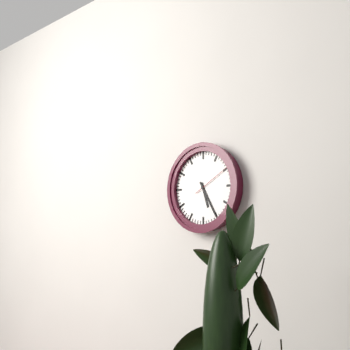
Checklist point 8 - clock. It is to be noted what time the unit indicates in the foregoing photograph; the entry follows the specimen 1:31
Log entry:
5:25
